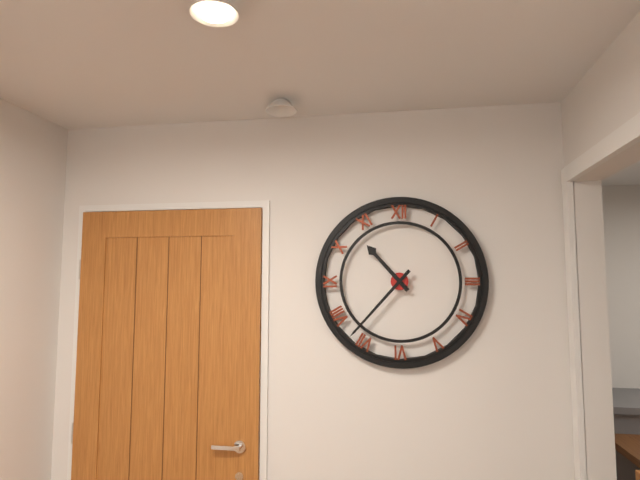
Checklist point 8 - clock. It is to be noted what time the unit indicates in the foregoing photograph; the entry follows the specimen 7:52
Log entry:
10:37
